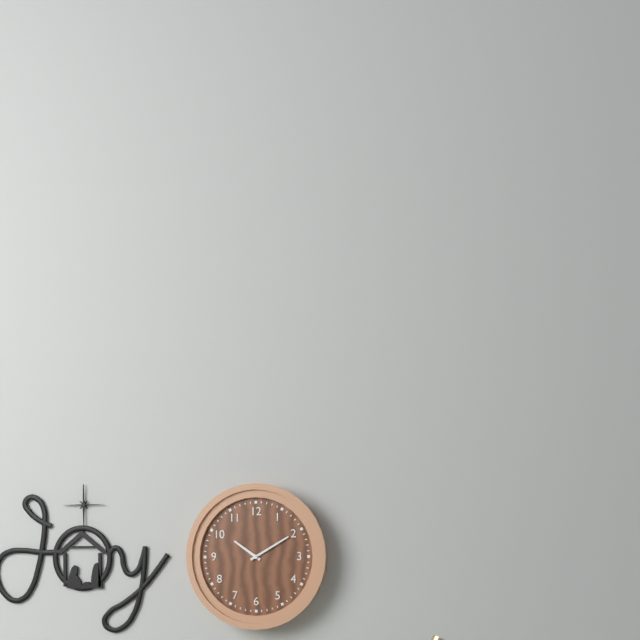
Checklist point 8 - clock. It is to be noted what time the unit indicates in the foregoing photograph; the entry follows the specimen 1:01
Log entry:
10:10
